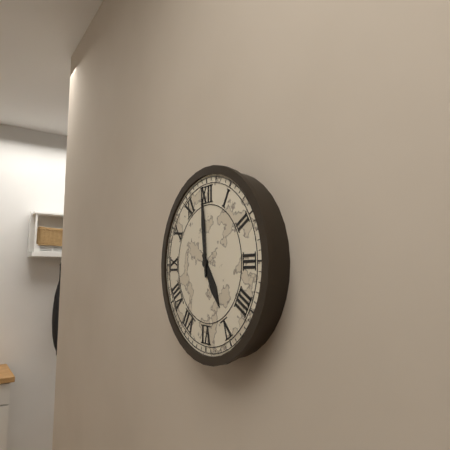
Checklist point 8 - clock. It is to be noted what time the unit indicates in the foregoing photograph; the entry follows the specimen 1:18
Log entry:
4:59
